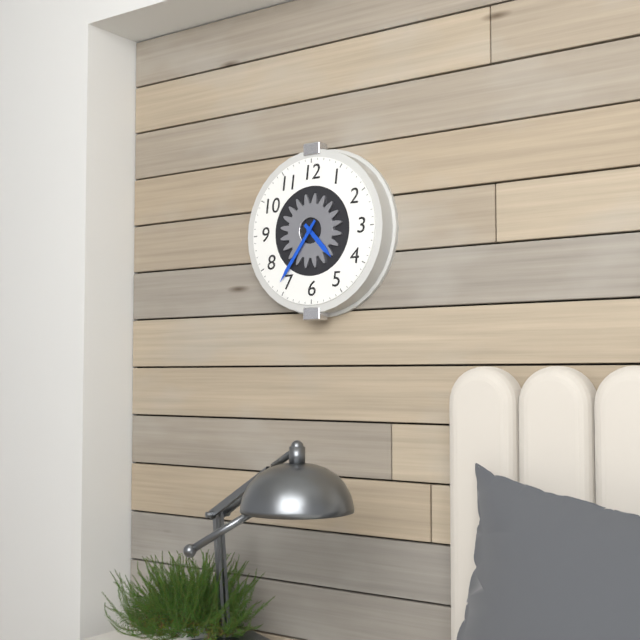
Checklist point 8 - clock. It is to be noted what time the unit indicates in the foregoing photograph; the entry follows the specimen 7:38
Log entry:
4:36
